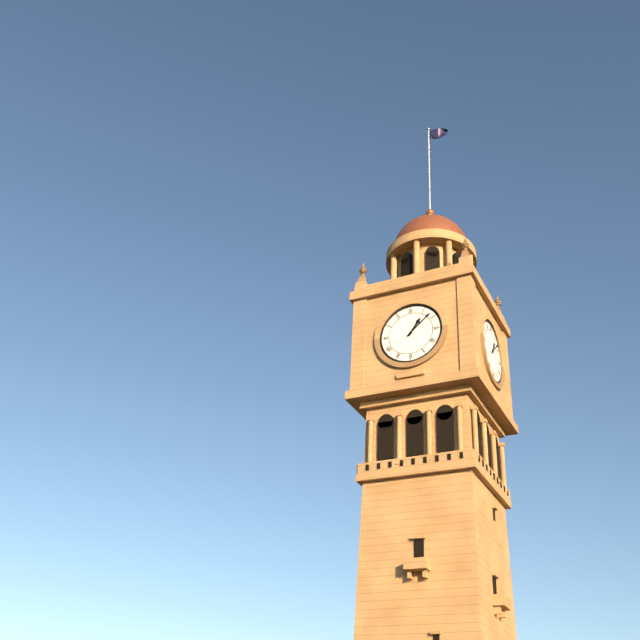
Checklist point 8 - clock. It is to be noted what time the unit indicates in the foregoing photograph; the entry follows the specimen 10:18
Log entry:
1:08
